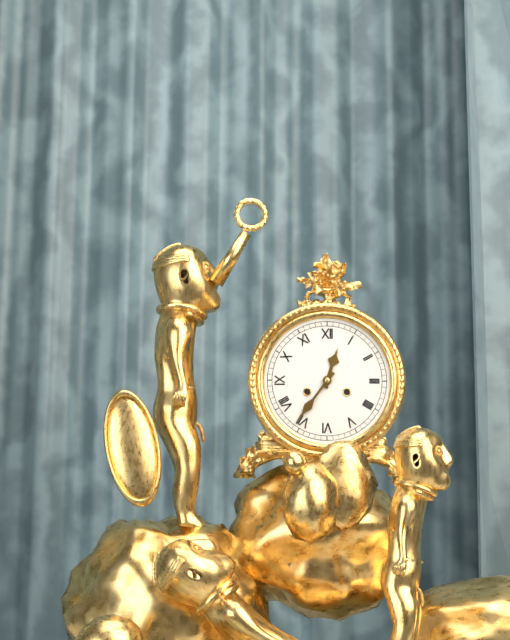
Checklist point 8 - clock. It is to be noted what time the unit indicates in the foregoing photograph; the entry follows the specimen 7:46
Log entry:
12:36
